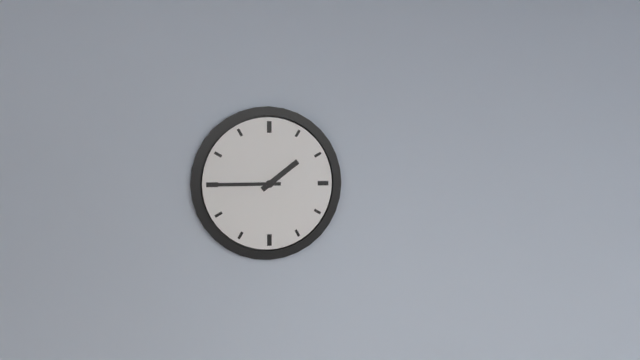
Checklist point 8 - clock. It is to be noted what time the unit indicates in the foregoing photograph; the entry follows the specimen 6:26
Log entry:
1:45
